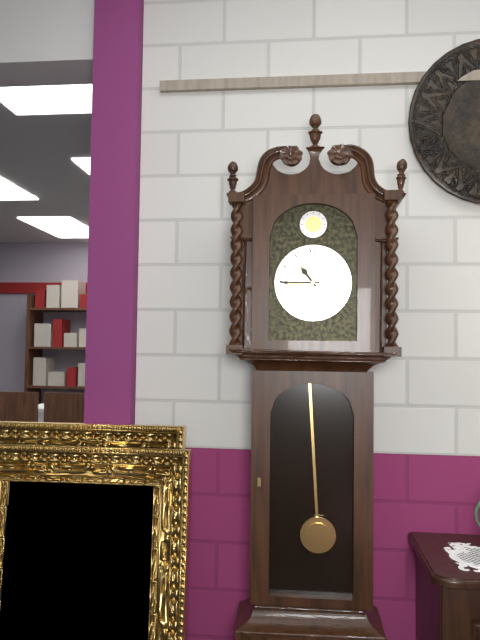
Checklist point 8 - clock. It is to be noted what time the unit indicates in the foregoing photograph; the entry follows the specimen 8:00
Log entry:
10:45
